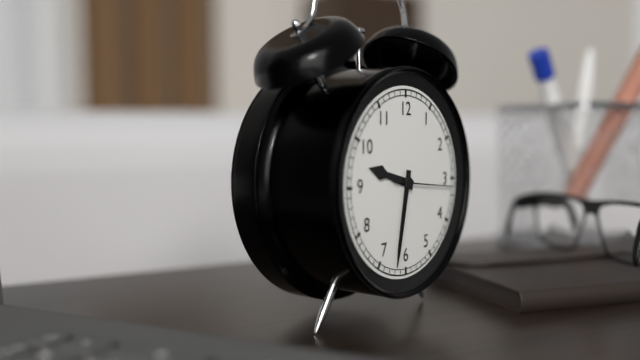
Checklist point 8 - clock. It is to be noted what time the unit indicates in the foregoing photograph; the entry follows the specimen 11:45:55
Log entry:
9:32:16
